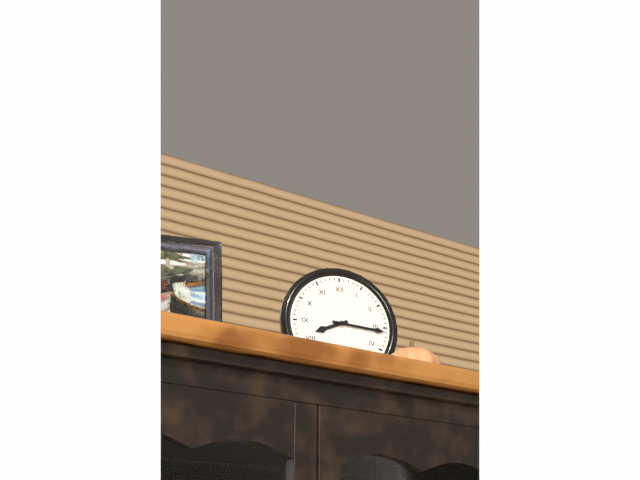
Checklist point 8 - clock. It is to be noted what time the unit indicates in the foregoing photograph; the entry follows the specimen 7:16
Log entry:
8:16
